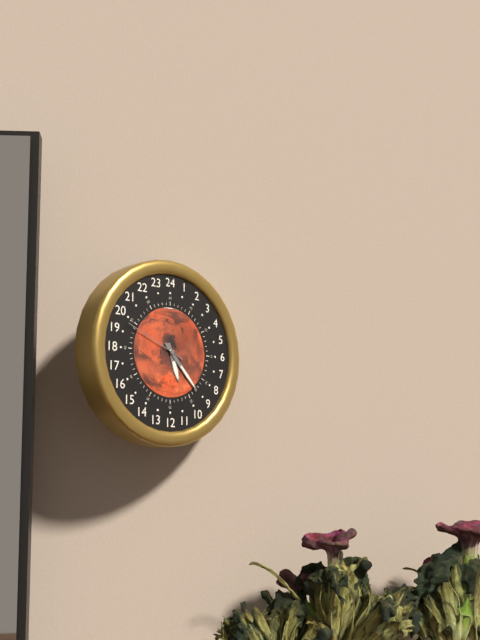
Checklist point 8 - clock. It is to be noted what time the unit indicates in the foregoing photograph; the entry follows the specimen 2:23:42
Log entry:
5:23:49
